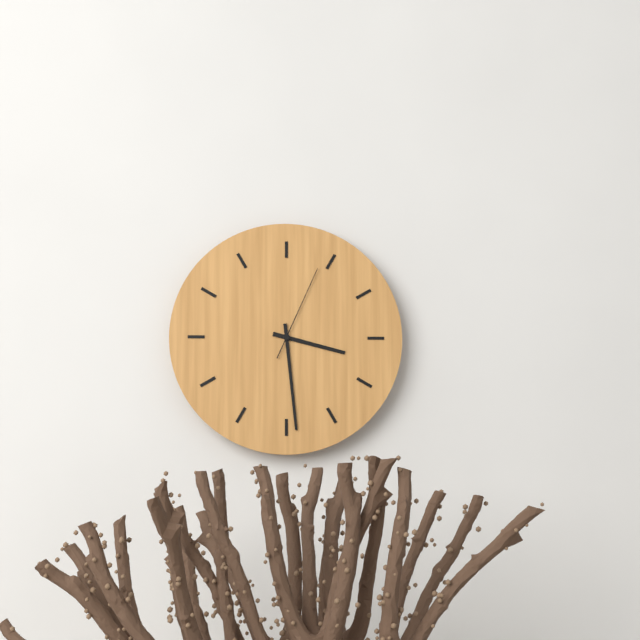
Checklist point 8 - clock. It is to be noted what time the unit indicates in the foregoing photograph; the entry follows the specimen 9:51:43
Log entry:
3:29:04
